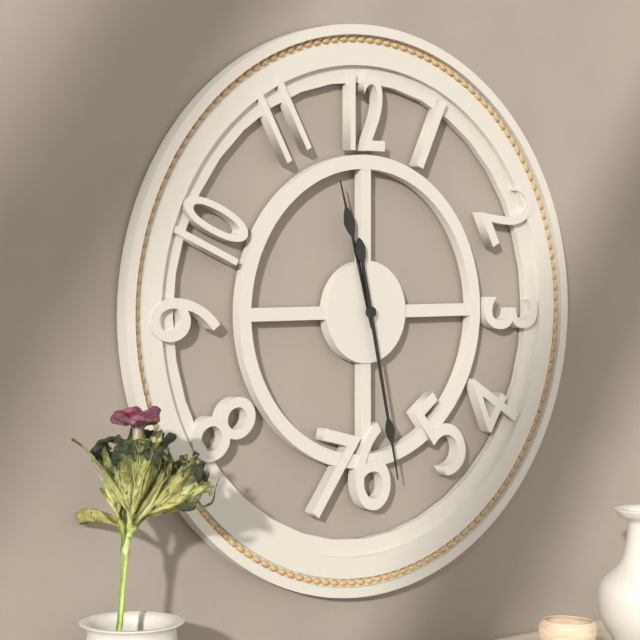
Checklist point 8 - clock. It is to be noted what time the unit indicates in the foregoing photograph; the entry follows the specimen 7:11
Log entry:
11:28
